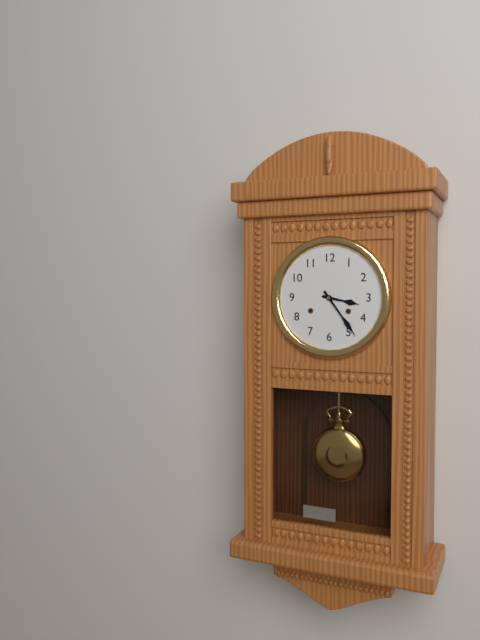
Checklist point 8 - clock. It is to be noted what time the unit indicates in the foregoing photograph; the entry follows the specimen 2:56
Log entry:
3:24
